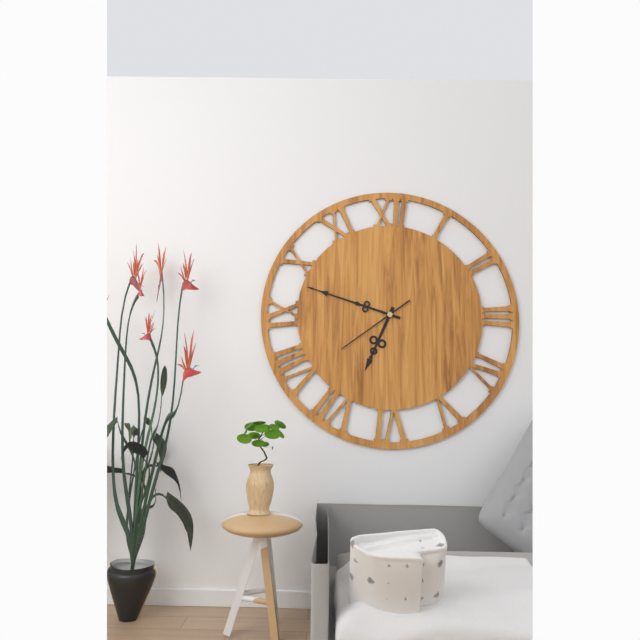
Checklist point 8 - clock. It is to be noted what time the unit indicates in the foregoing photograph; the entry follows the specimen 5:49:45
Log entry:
6:48:39
